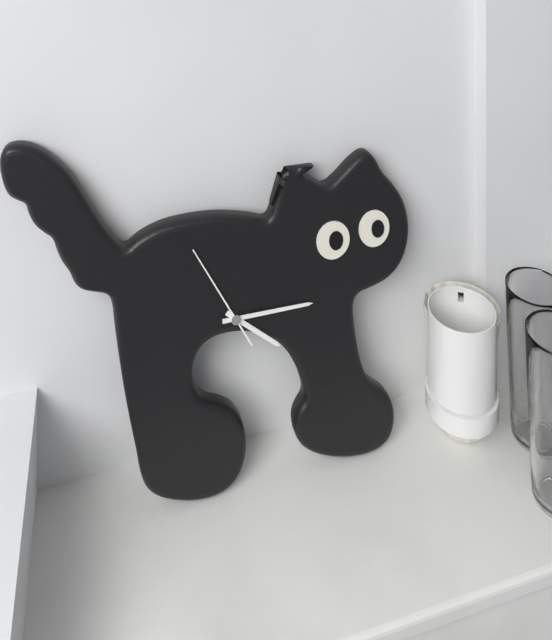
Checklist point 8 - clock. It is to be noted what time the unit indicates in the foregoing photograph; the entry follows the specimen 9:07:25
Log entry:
4:15:55
